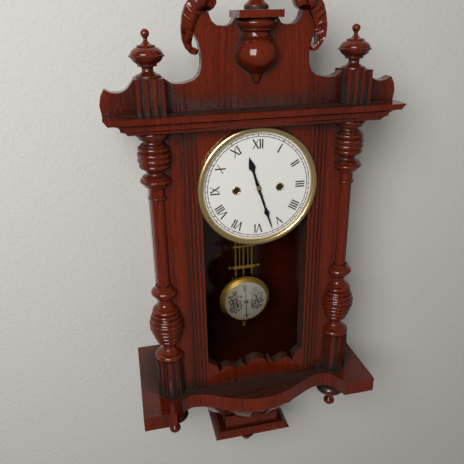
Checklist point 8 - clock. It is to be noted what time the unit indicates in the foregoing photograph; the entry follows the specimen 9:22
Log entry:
11:27
